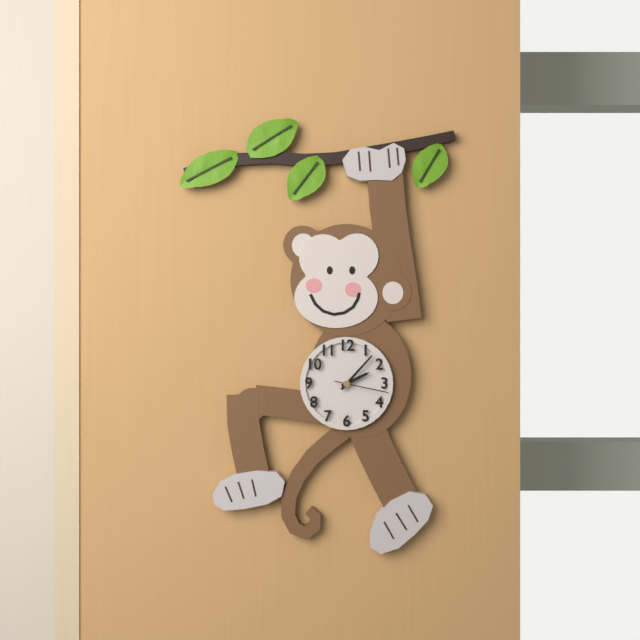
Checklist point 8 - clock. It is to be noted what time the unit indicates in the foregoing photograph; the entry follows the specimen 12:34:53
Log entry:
2:07:17
